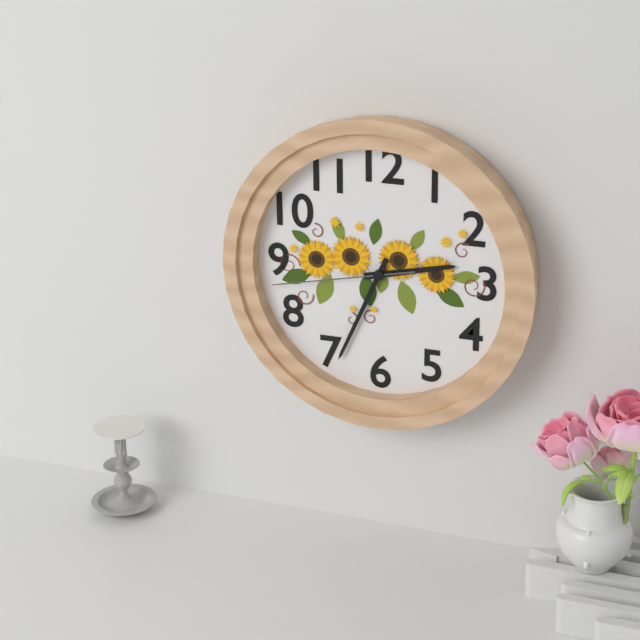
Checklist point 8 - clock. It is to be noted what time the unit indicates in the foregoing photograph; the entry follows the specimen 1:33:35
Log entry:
2:34:43
